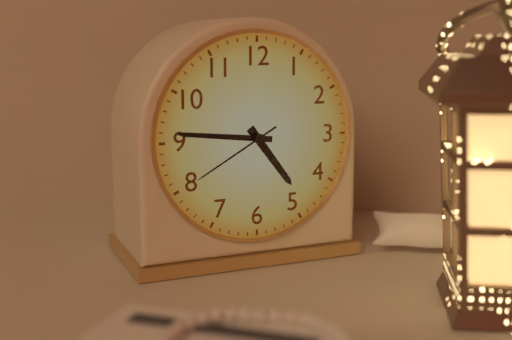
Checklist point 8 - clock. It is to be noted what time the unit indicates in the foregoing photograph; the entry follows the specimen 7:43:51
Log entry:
4:46:40
